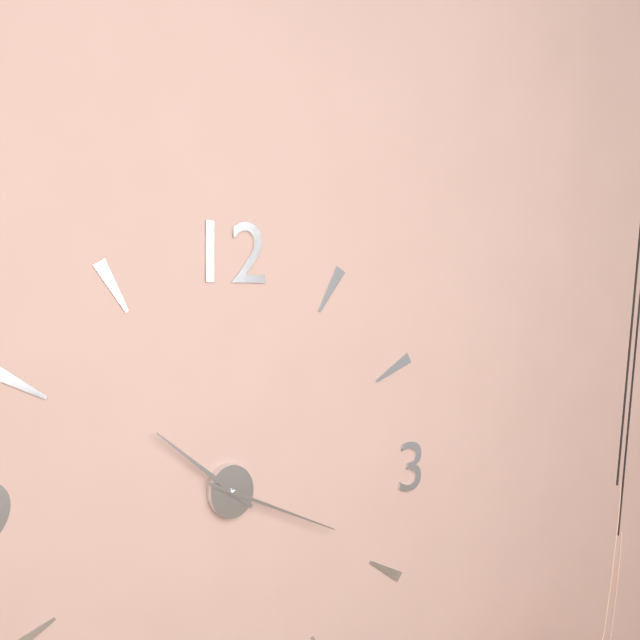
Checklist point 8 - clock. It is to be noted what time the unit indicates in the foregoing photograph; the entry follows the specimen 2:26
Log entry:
10:19
